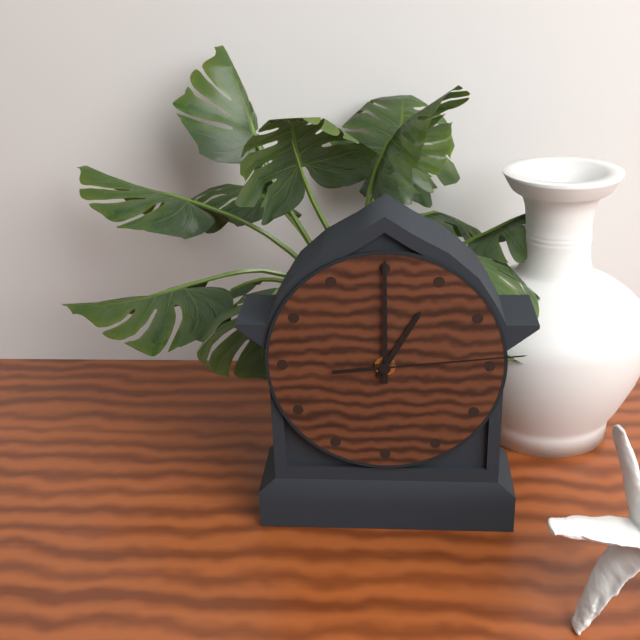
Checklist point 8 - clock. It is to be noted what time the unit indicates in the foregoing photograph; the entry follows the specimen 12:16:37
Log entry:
1:00:14
